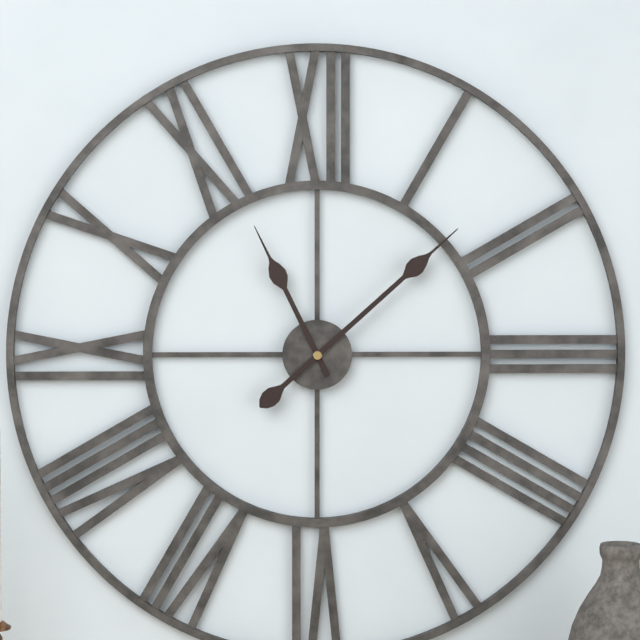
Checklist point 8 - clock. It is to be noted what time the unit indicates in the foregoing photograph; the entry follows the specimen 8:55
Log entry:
11:08
